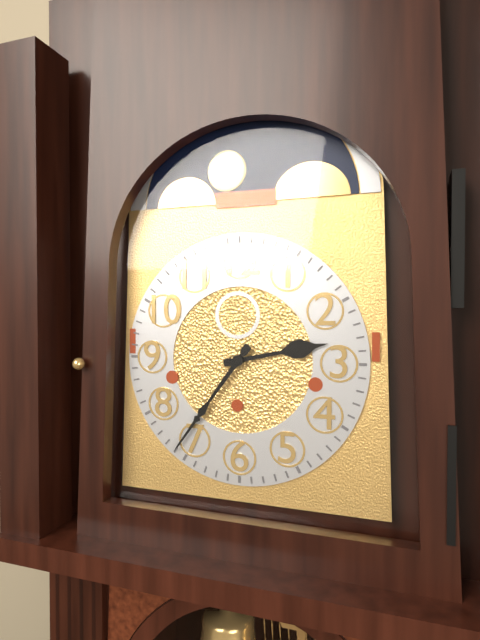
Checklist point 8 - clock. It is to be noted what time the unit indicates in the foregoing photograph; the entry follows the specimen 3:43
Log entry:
2:36
